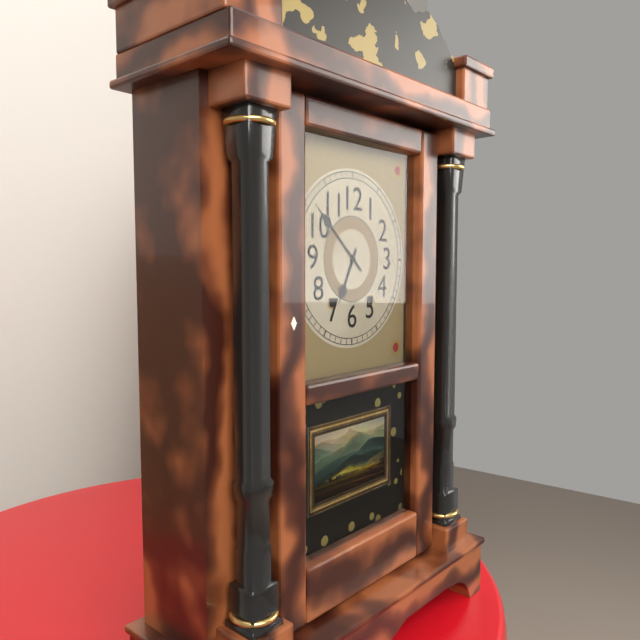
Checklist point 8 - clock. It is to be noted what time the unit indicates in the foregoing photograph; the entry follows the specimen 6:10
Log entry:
6:52
